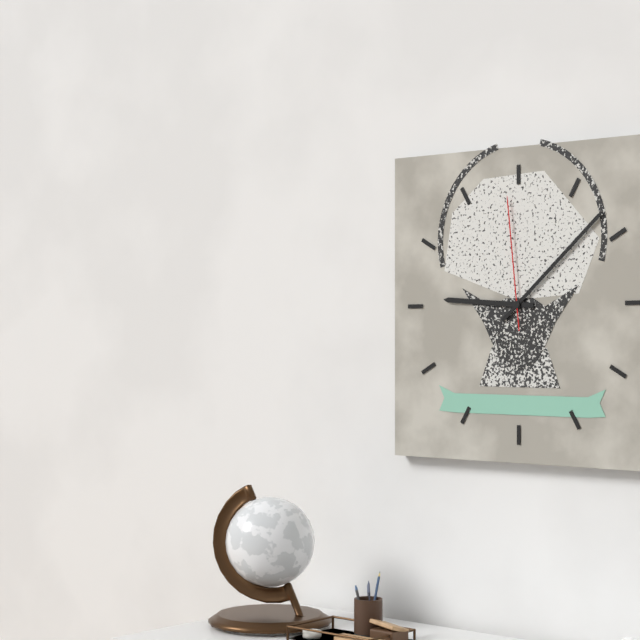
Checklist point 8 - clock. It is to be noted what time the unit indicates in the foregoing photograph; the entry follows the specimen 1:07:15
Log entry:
9:08:59
